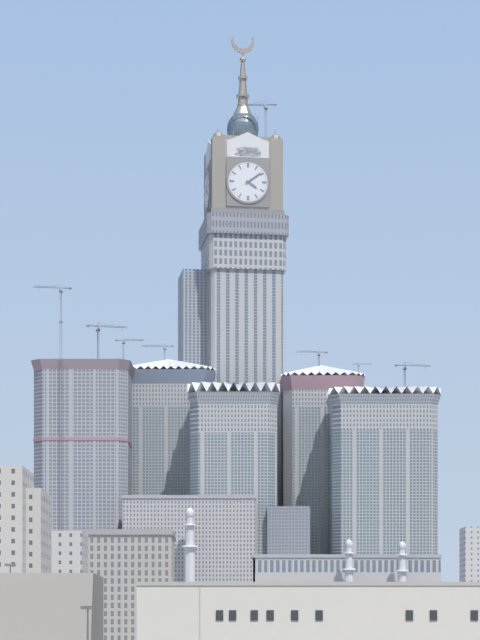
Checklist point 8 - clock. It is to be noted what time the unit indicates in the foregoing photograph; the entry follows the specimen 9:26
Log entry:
4:09
